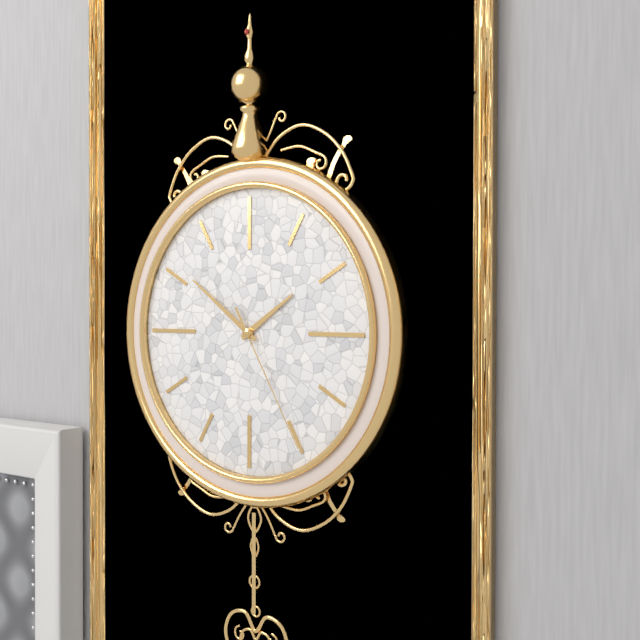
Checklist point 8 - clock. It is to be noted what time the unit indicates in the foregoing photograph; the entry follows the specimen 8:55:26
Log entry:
1:51:25
